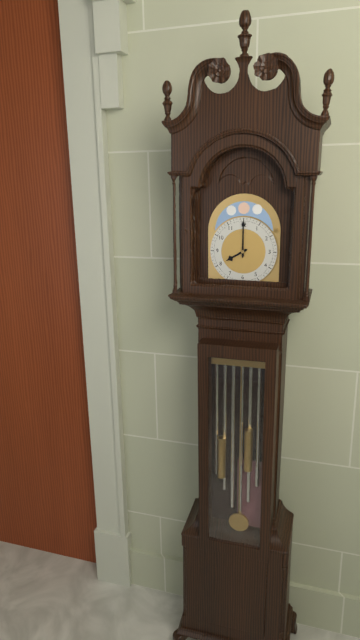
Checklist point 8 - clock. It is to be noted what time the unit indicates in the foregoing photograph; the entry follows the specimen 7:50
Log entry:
8:00
